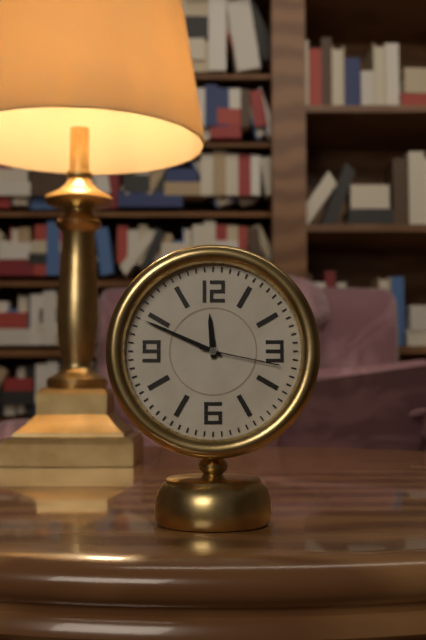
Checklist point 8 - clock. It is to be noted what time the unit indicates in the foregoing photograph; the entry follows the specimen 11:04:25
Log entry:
11:49:17
